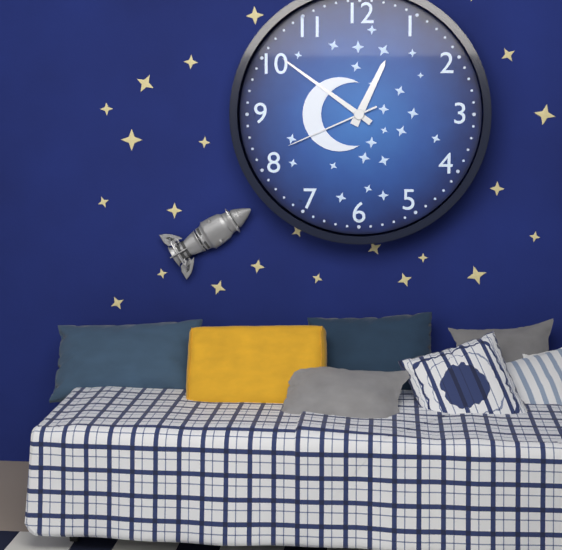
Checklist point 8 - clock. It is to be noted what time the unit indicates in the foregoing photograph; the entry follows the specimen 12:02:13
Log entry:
12:51:41
